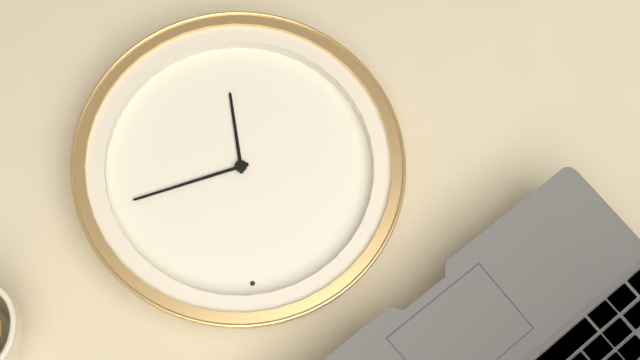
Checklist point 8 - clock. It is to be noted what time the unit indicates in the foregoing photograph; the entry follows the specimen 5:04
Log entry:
5:09
